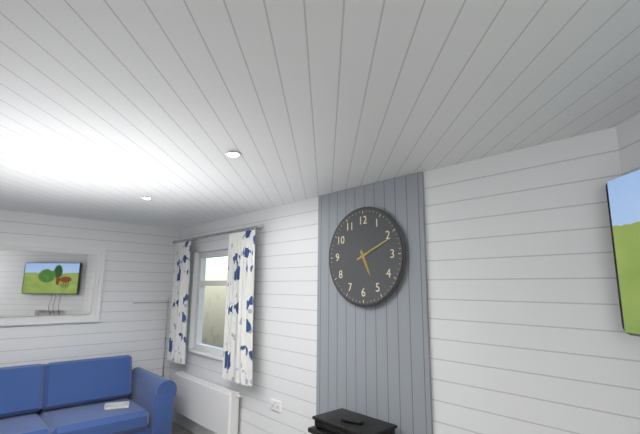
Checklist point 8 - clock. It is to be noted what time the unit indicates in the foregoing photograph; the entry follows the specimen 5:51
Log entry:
5:11
